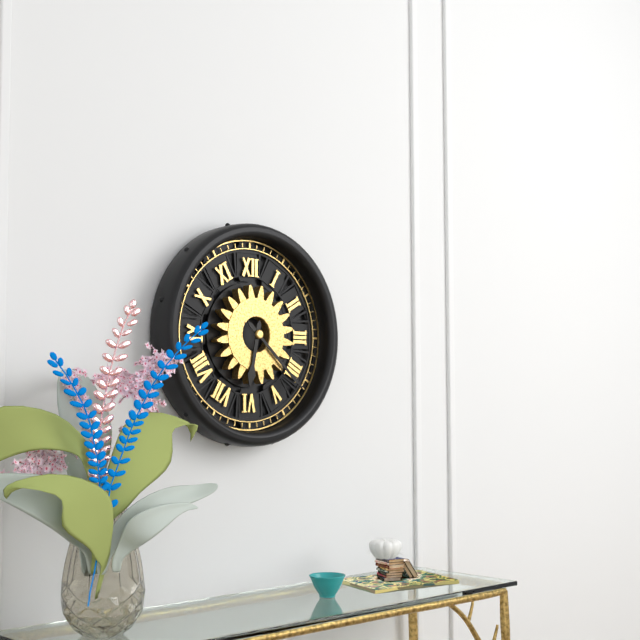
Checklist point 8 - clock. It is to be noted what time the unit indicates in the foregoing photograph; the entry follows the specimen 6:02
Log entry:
6:22
